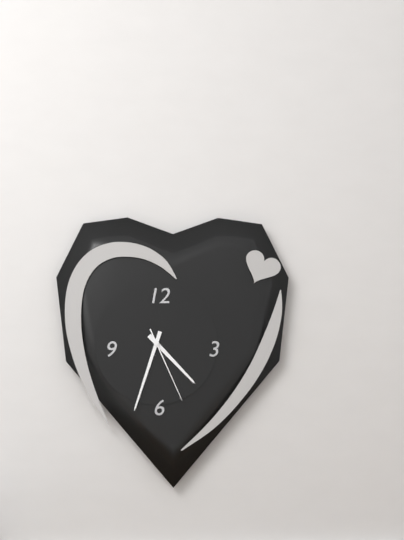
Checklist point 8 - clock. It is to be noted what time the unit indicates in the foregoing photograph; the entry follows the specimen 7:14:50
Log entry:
4:33:26
